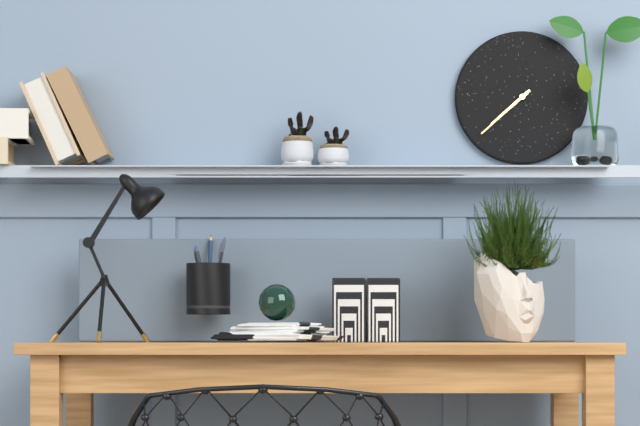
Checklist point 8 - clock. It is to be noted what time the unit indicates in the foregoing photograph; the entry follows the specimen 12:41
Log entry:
7:38
